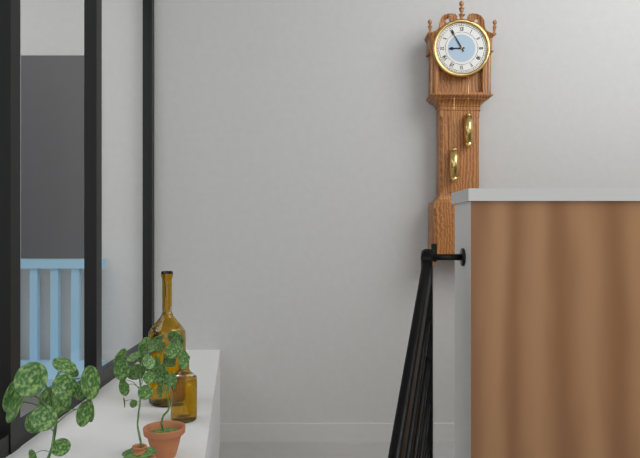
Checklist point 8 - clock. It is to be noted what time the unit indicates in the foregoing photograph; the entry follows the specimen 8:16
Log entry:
8:55
